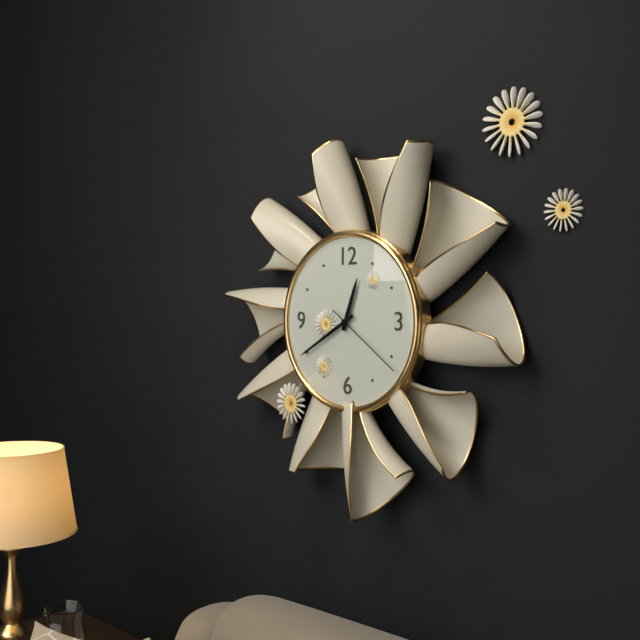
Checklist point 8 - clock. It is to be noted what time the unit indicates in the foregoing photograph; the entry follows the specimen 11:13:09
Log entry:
12:40:21
